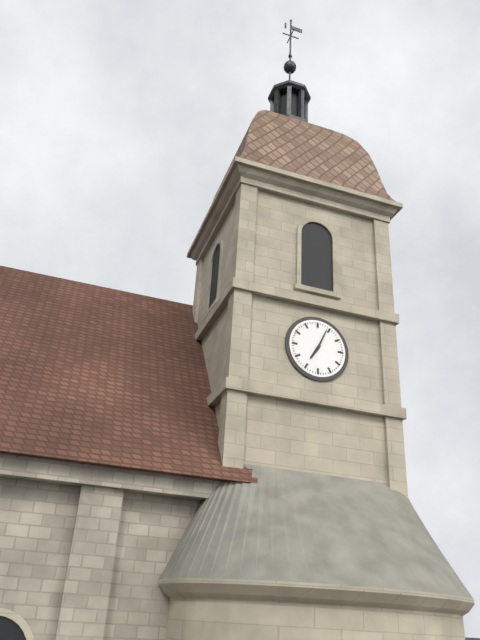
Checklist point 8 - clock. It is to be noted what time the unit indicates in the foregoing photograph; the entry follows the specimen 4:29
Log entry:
7:04
